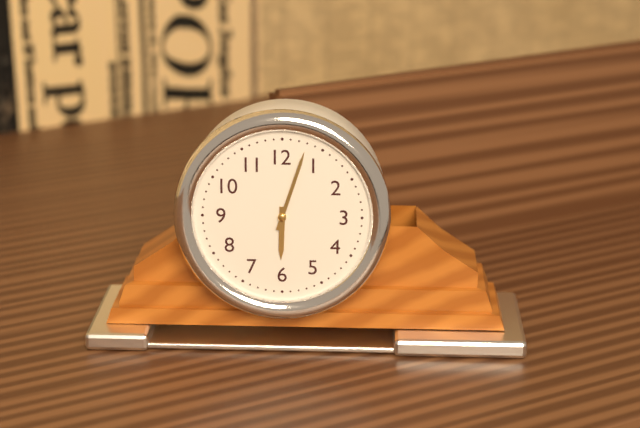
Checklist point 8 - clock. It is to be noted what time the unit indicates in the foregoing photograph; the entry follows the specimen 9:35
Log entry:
6:03
